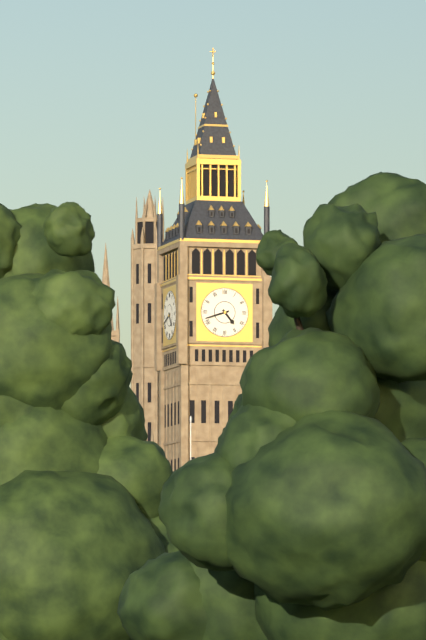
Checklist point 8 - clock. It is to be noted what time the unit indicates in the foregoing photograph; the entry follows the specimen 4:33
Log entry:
4:42
